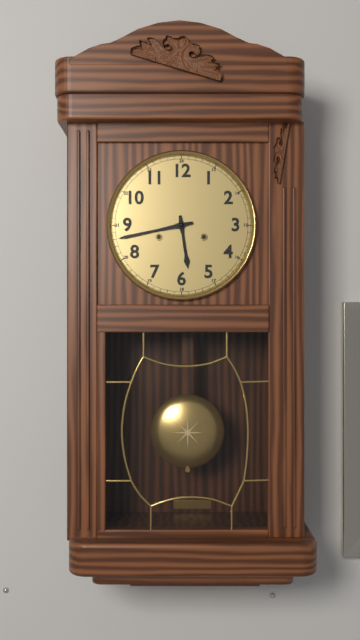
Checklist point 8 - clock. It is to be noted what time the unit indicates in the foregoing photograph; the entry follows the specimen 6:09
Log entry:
5:43
